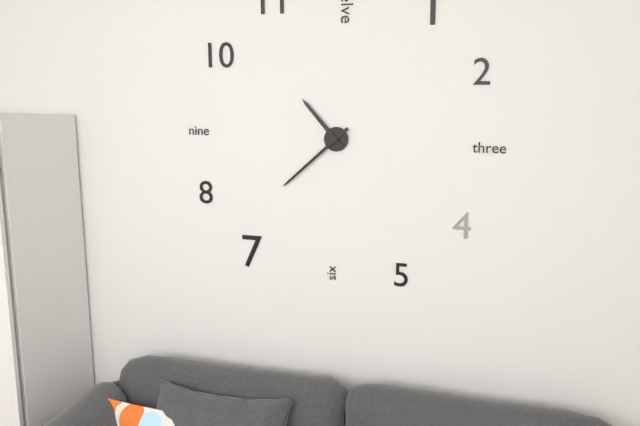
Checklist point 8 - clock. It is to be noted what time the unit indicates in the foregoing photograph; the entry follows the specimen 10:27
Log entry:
10:38
